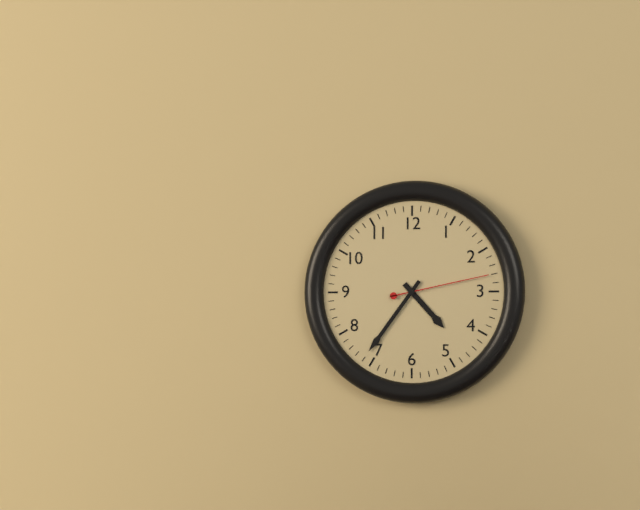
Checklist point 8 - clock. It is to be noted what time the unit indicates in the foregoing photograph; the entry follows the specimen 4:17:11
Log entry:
4:36:13
